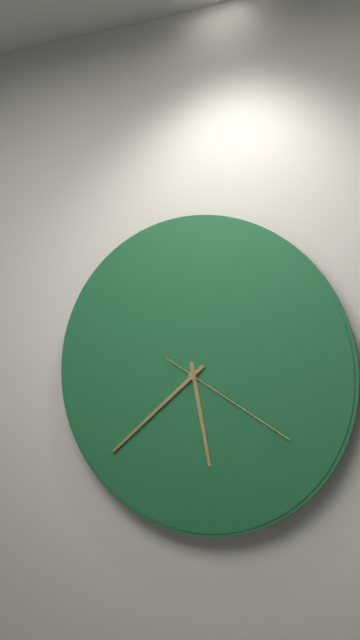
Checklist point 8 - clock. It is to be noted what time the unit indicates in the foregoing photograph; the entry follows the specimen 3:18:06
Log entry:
5:38:20
